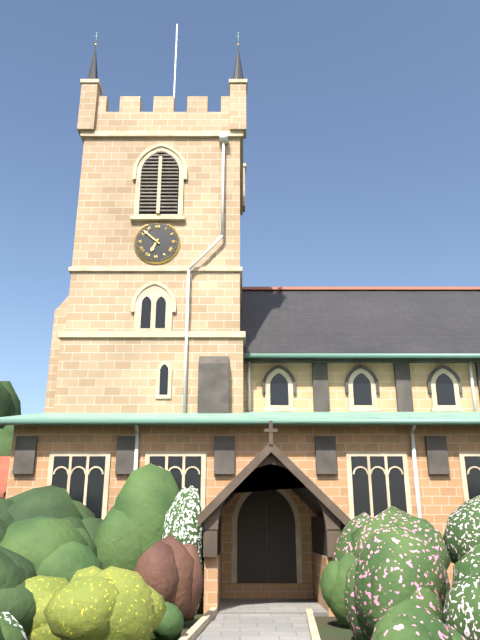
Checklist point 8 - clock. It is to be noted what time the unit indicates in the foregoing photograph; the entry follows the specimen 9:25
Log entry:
6:52
